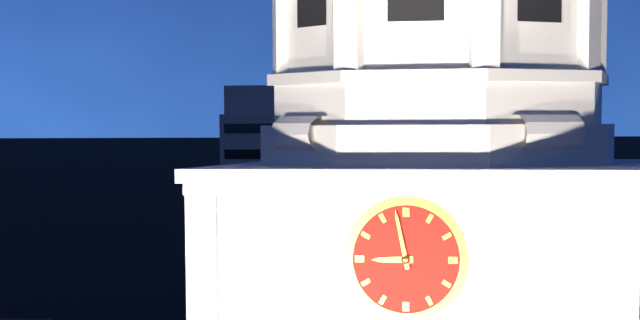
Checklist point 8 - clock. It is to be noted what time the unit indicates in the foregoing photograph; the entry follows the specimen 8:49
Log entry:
8:58
